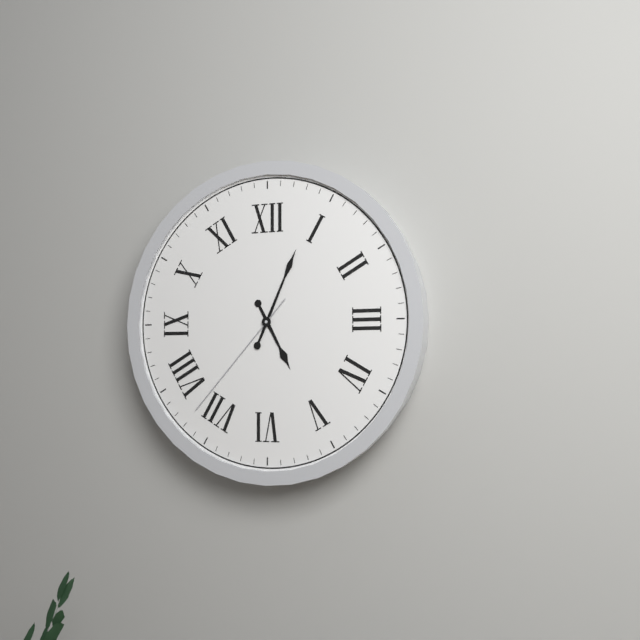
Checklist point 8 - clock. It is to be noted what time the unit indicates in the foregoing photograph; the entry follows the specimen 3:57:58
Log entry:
5:04:37
